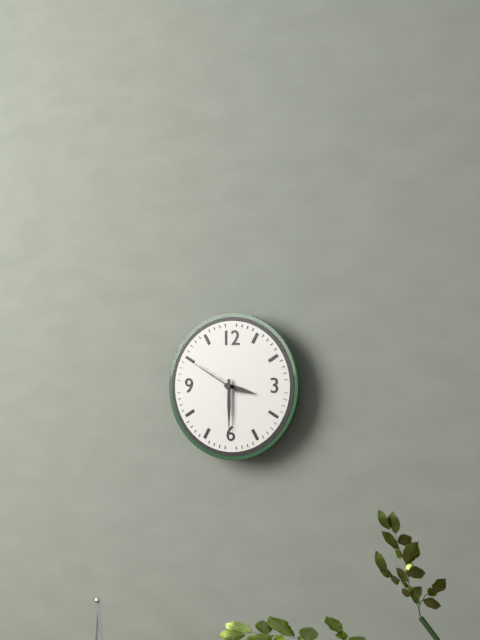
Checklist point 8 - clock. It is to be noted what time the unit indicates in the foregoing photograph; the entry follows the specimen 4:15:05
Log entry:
3:30:50
